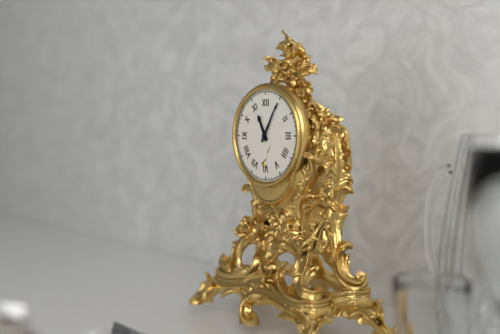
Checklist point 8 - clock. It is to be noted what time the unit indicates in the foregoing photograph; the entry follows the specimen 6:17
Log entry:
11:05
